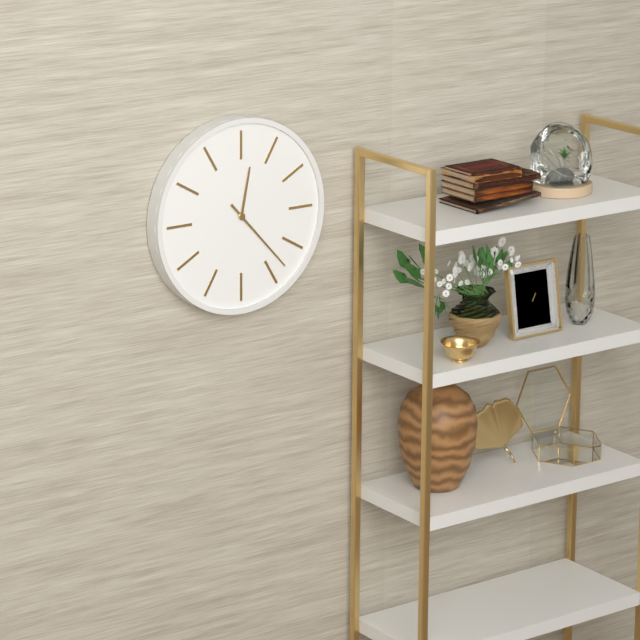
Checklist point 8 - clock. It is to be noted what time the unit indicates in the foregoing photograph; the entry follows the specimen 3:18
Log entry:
12:23
